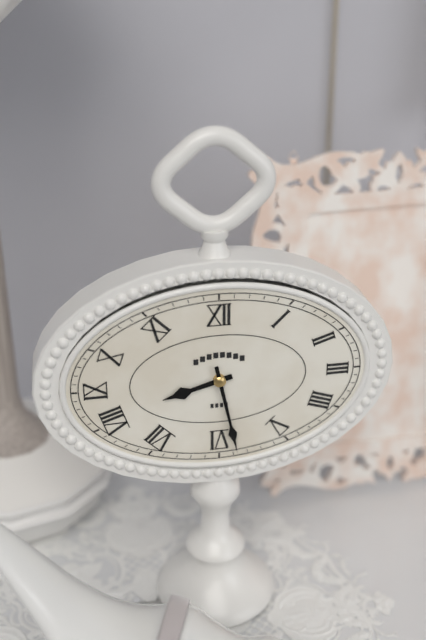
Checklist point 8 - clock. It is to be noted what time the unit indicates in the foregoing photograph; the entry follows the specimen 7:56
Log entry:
8:28
